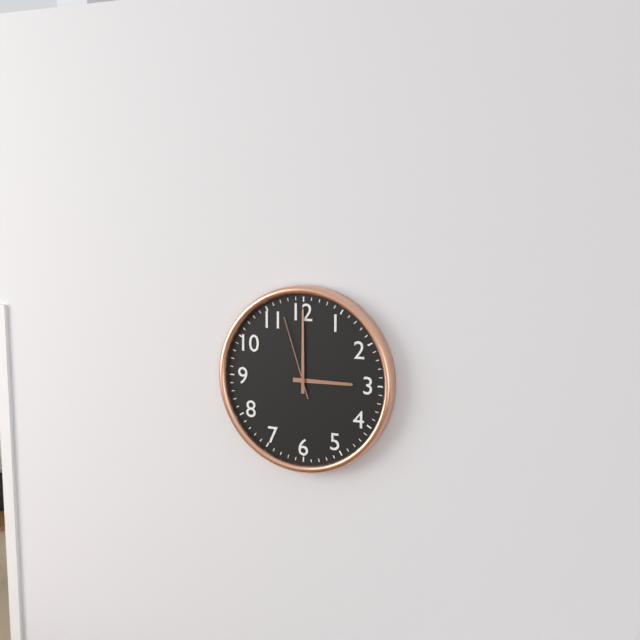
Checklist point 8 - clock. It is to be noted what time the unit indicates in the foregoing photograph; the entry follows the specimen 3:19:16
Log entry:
3:00:57
